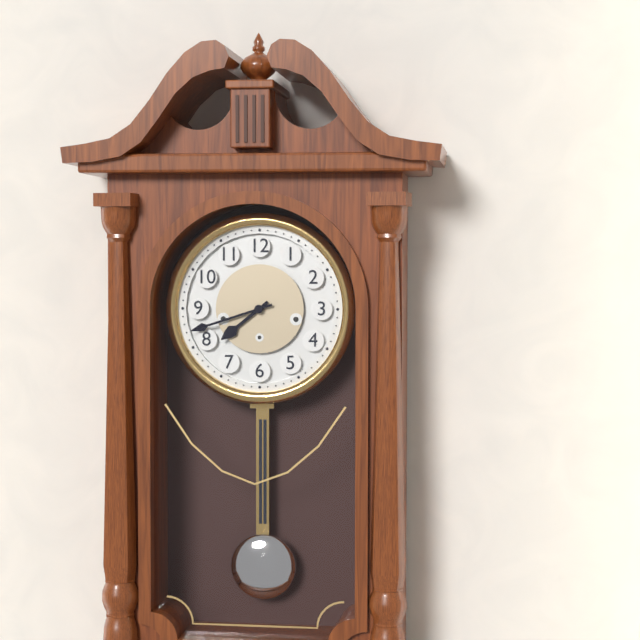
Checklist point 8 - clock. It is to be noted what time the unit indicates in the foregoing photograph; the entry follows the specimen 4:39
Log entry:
7:42
